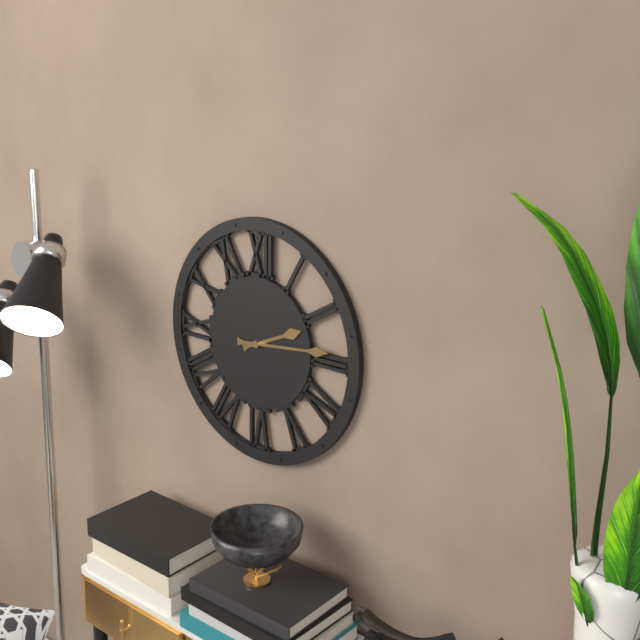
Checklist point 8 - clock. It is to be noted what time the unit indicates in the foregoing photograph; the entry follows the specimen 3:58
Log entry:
2:14
